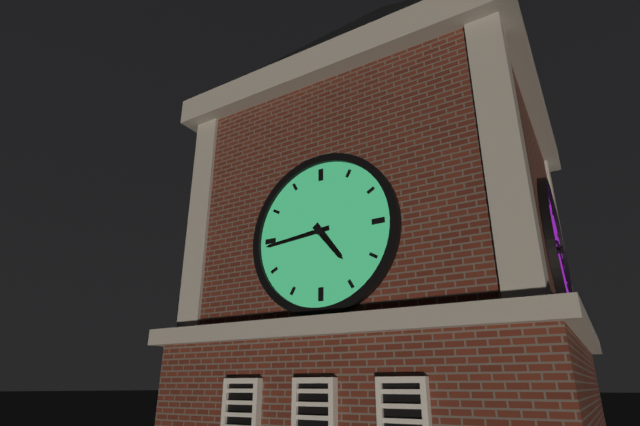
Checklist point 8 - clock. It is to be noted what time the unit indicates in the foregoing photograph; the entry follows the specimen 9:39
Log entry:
4:44
